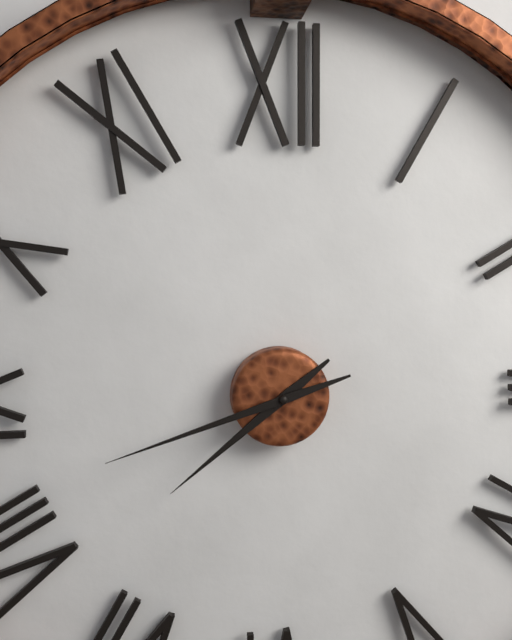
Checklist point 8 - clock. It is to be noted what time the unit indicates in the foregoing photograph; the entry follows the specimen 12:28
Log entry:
7:42
